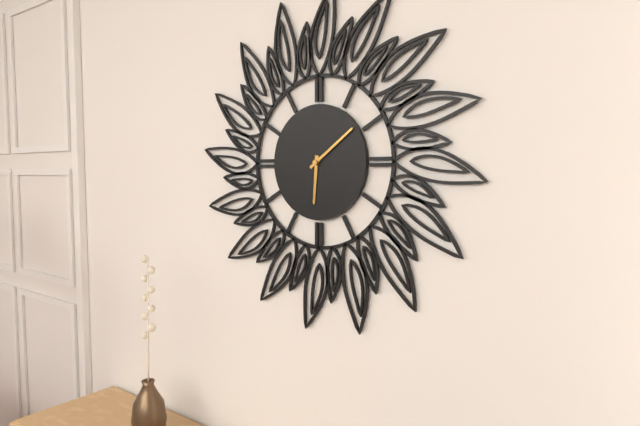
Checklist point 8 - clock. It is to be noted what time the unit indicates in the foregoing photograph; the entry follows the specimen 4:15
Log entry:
6:09
